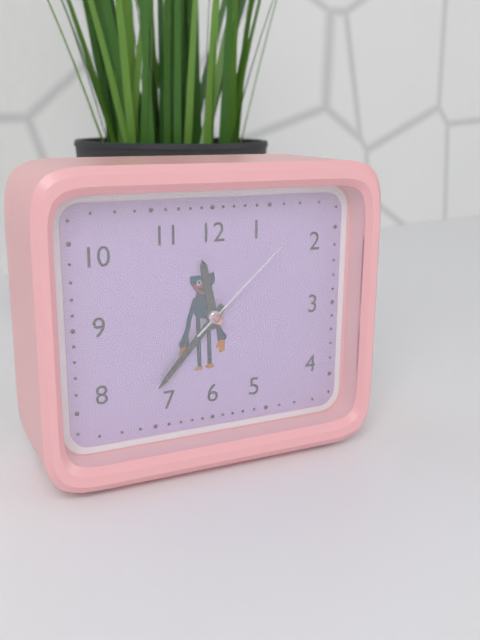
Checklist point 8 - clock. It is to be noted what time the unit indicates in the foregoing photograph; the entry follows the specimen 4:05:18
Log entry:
11:37:08
